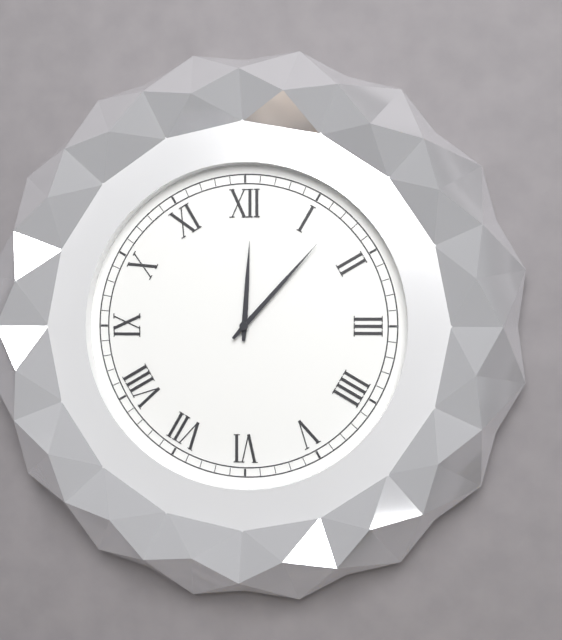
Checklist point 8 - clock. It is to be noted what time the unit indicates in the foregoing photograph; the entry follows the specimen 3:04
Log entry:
12:07
